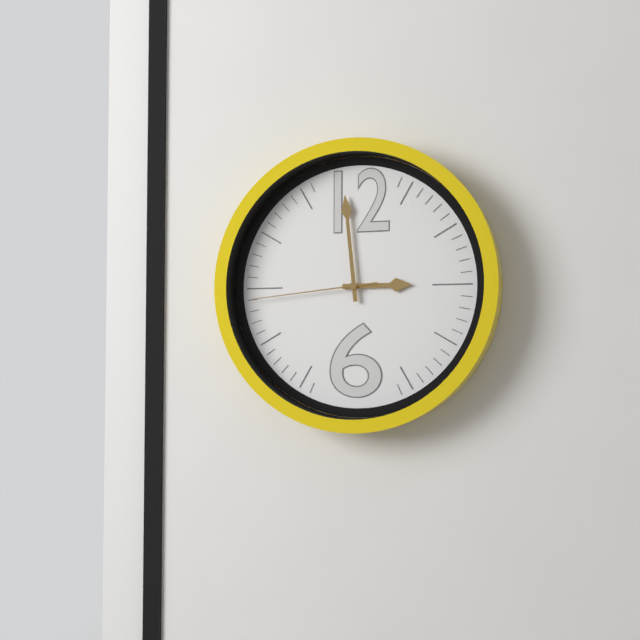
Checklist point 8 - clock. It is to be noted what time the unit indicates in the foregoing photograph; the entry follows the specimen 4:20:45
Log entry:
2:59:44
